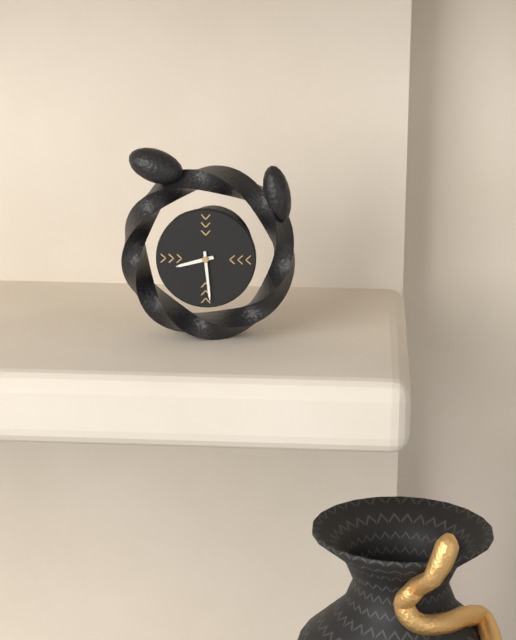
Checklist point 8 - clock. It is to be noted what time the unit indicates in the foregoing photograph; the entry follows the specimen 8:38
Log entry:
8:29
